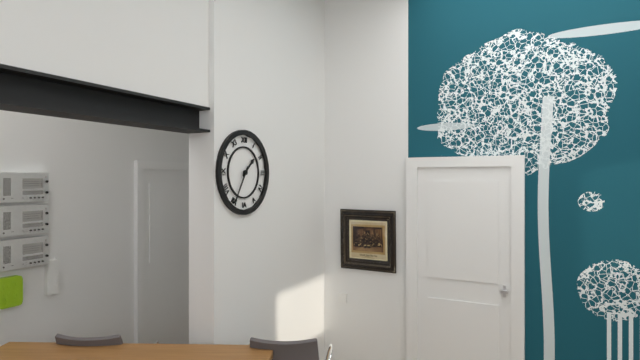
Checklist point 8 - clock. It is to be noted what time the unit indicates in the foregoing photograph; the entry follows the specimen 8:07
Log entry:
1:35
